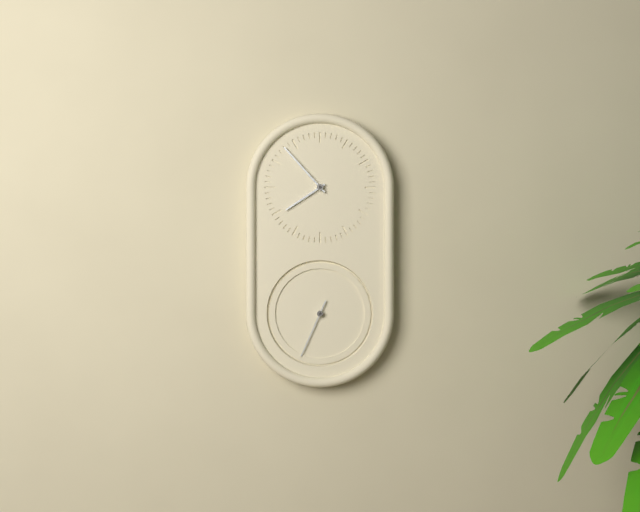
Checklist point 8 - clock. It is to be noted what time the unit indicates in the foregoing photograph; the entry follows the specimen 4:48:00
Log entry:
7:53:34
